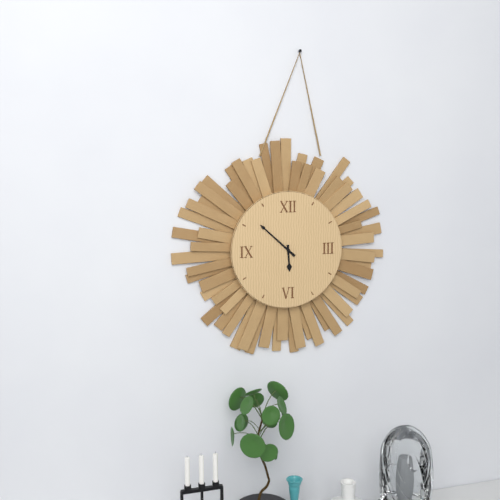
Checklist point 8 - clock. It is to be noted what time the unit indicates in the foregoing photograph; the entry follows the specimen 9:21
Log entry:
5:52
